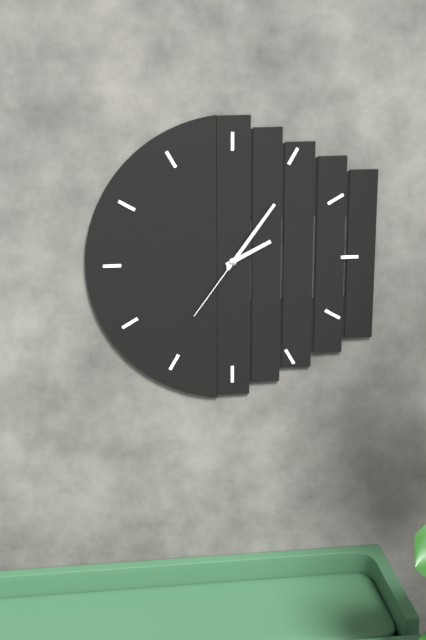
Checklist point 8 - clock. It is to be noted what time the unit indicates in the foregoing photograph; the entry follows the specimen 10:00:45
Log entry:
2:06:36
